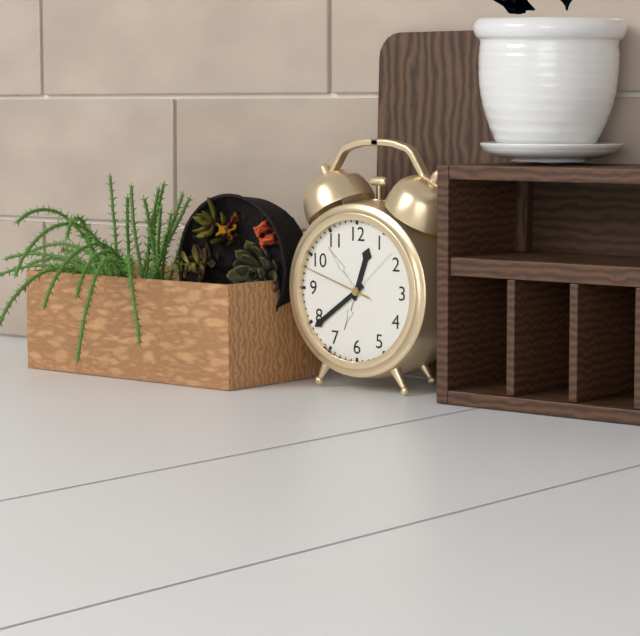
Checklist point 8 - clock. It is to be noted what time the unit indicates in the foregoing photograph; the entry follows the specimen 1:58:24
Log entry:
12:39:48
